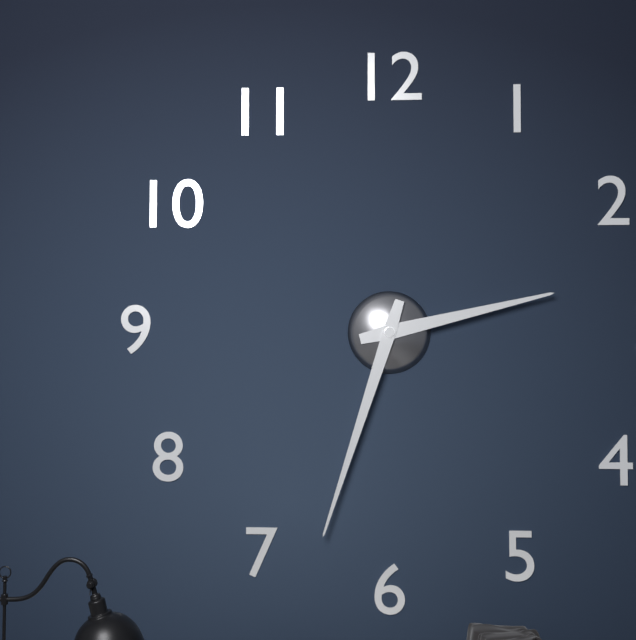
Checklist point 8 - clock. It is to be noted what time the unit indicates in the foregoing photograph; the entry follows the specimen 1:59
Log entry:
2:33
